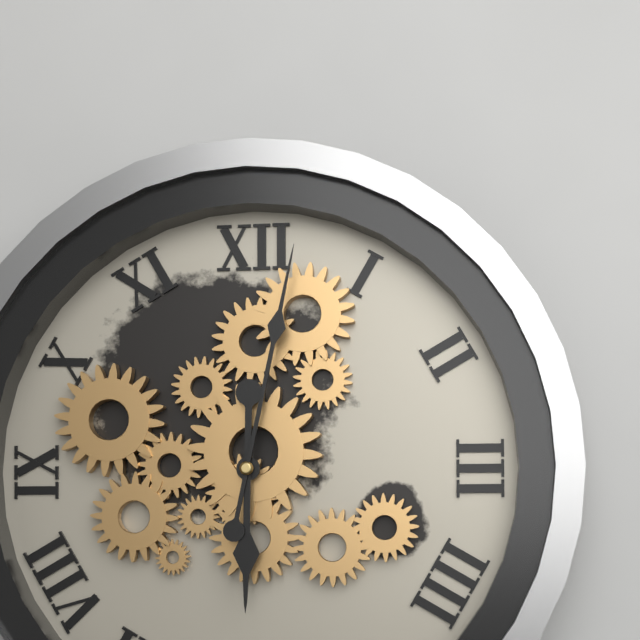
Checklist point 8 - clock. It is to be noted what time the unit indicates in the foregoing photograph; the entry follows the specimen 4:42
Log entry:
6:02
